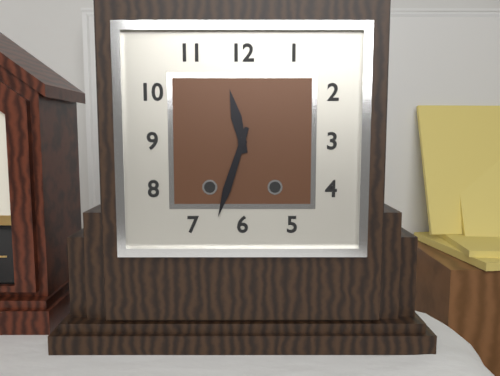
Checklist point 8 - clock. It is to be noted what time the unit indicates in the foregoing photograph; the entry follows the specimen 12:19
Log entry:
11:33
